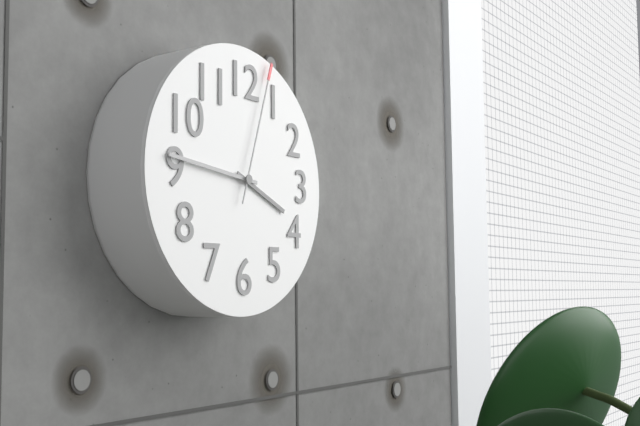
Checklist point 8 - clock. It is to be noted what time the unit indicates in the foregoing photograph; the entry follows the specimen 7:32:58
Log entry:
3:46:03
